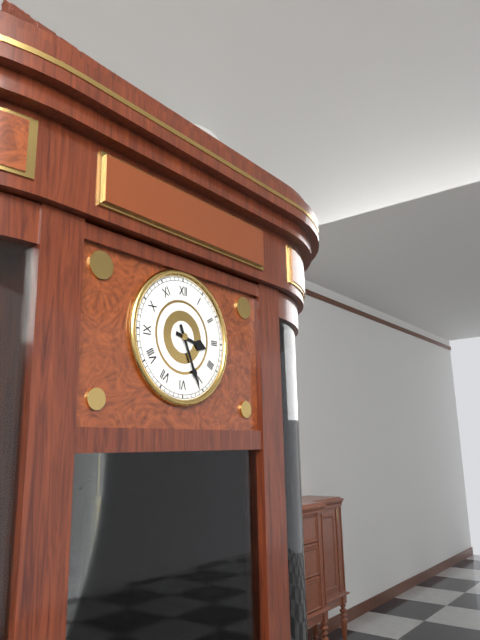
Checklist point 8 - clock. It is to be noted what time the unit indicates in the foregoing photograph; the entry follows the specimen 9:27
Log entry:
3:26
